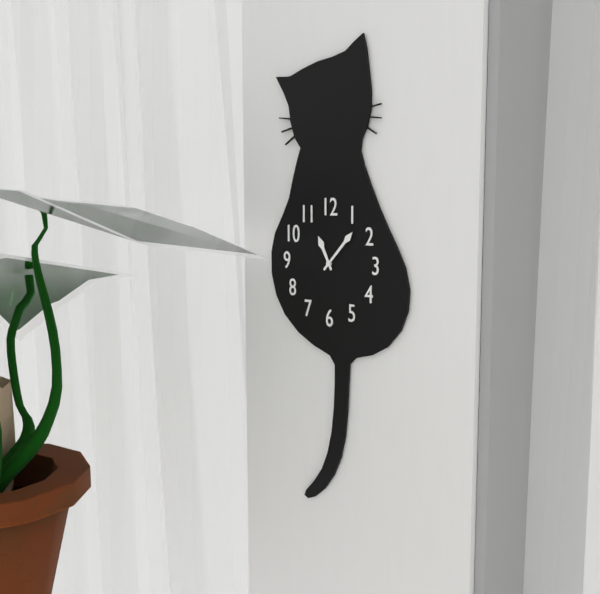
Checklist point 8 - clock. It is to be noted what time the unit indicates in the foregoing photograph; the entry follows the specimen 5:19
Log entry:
11:07
